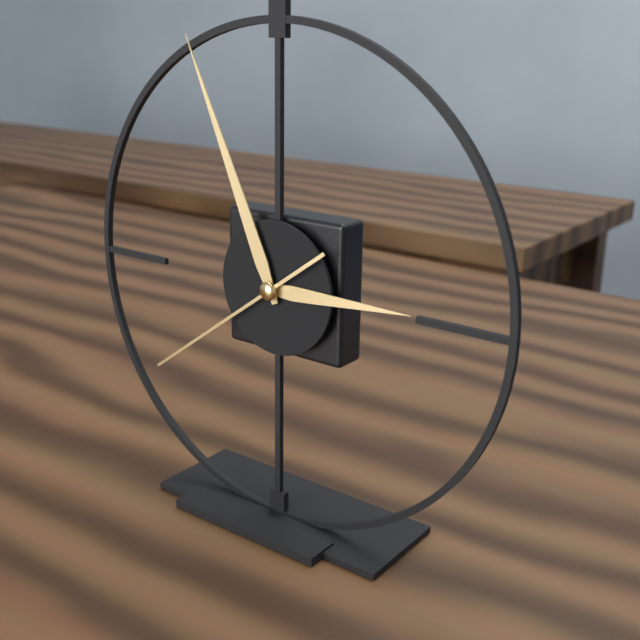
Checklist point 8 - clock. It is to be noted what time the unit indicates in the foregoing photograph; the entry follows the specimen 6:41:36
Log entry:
2:56:39
